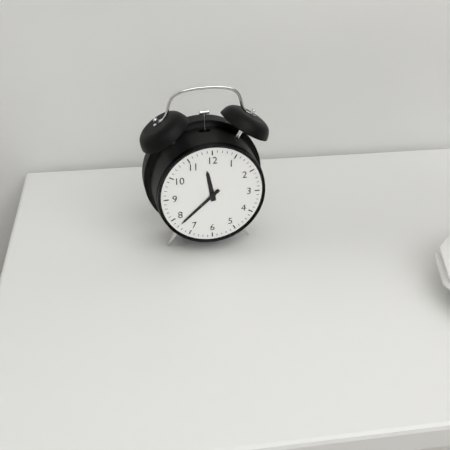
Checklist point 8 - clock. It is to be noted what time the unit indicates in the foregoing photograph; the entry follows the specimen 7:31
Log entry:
11:38
